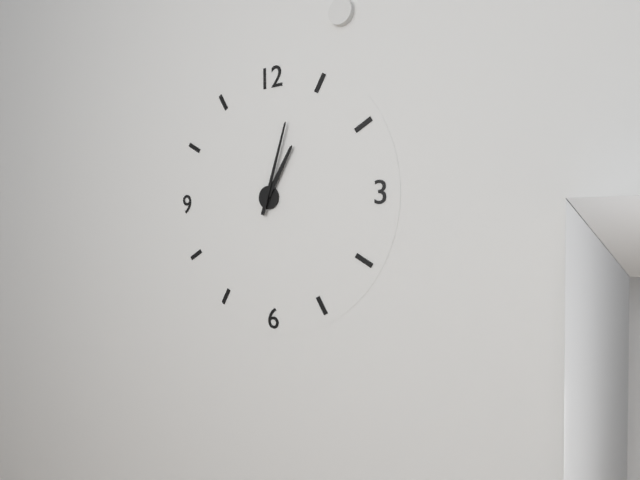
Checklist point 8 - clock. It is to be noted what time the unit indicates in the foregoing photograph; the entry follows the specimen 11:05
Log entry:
1:03
